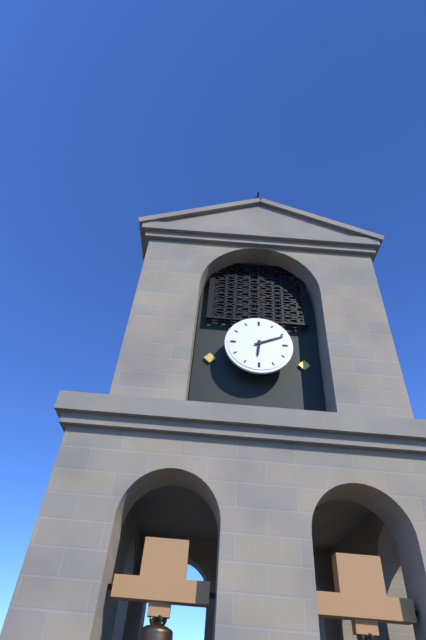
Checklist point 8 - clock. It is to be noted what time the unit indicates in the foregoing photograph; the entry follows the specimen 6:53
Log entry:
6:11
